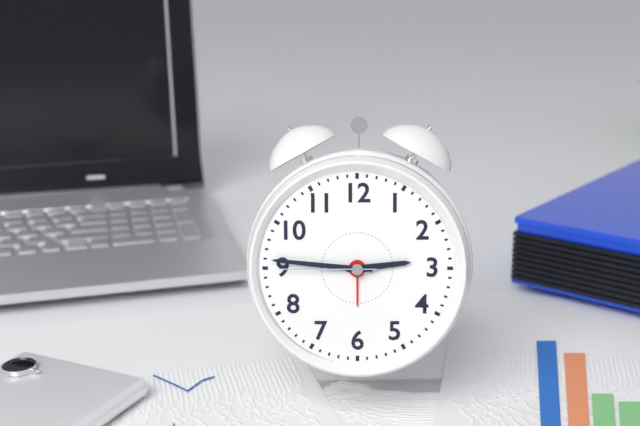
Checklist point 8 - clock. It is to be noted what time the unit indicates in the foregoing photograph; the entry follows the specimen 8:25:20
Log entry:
2:46:45
